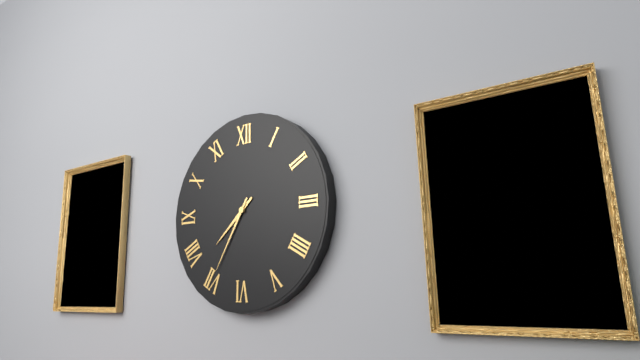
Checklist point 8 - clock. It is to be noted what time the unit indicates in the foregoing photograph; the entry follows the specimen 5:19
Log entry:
7:35
